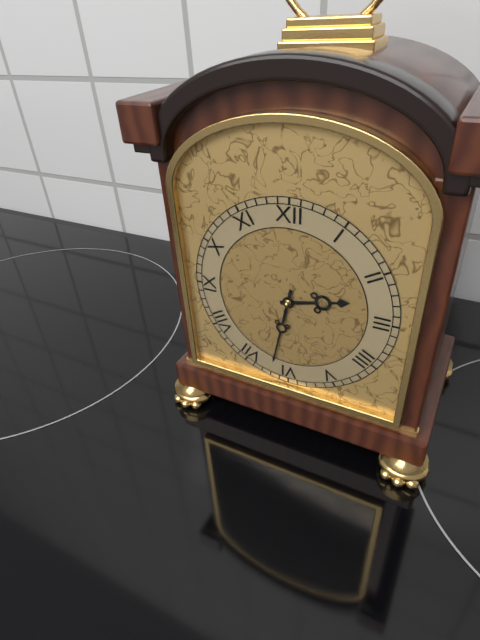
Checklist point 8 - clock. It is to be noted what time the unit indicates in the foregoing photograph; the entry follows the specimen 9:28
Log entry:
2:32
